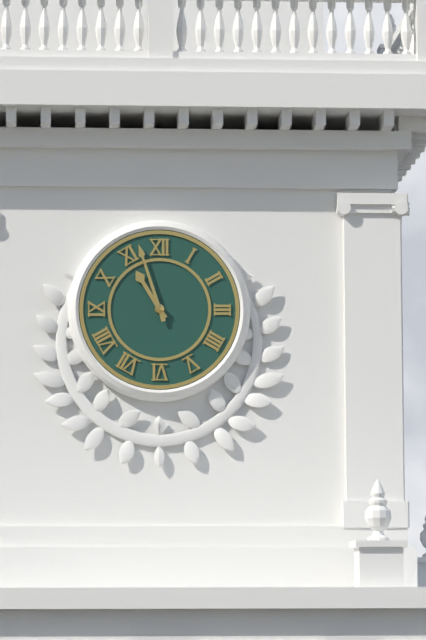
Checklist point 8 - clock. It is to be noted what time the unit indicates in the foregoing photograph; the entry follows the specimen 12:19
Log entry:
10:57
